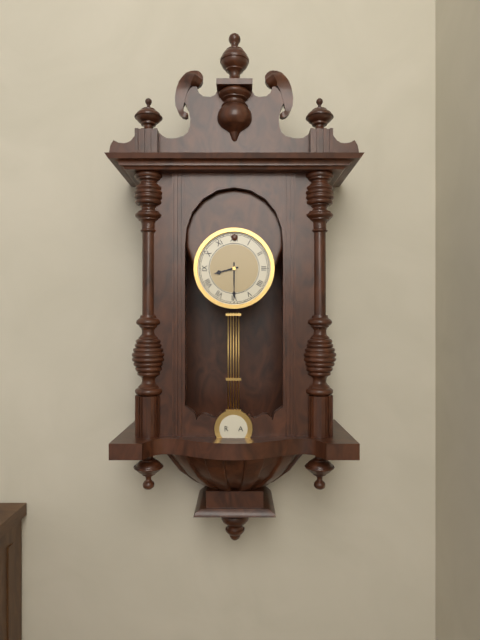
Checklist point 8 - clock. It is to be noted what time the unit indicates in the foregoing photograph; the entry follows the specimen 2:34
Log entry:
8:30
